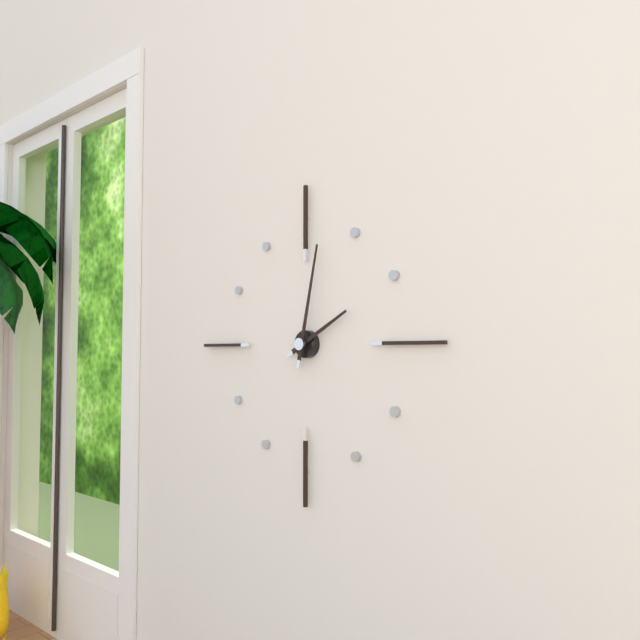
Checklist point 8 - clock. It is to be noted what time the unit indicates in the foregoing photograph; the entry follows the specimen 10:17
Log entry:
2:02
